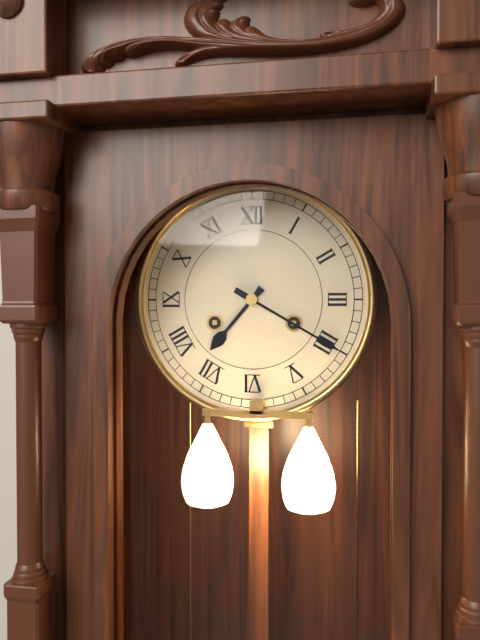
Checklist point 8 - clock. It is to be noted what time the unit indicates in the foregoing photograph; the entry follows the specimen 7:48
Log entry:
7:20
